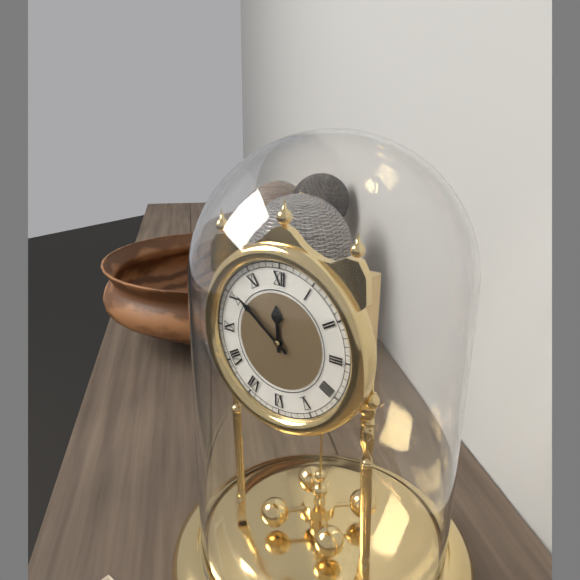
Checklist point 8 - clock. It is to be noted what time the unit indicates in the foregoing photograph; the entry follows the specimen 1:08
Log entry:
11:51
